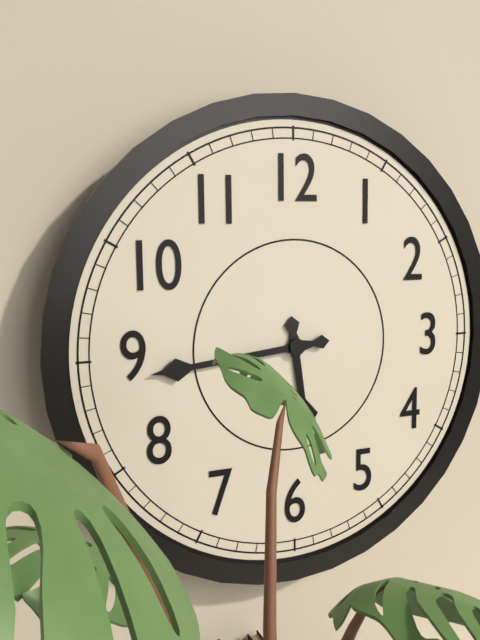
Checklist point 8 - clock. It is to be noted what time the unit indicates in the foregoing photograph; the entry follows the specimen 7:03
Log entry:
5:44
